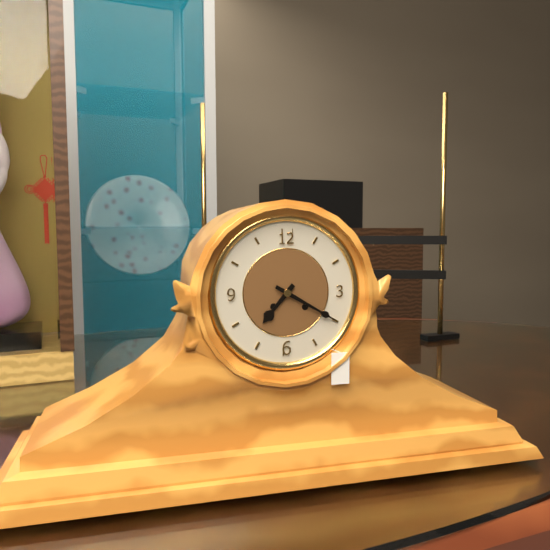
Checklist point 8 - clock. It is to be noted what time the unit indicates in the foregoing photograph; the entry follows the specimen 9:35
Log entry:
7:20
